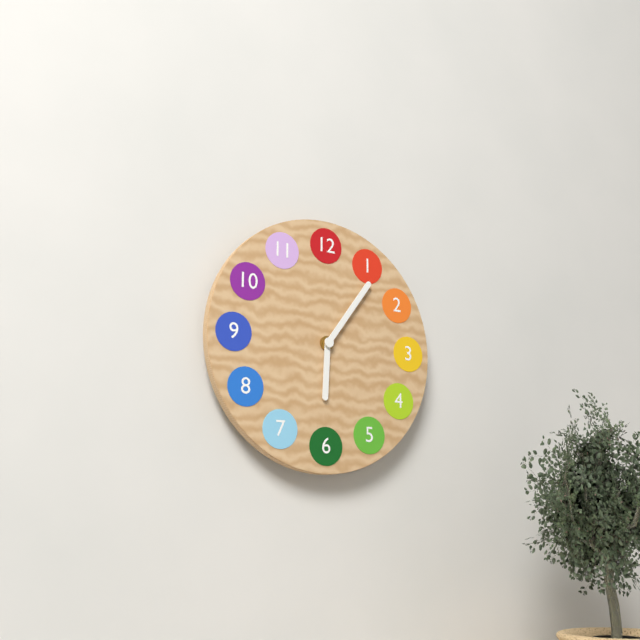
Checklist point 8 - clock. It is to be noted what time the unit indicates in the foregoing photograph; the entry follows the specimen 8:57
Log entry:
6:06
